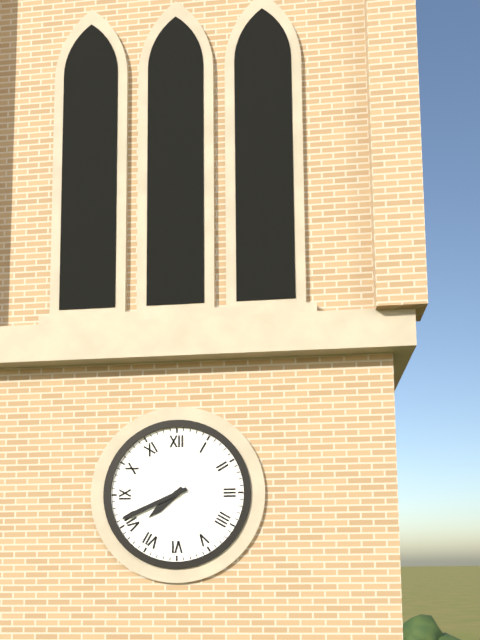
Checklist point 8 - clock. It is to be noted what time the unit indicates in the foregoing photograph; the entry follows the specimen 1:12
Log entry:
7:41
